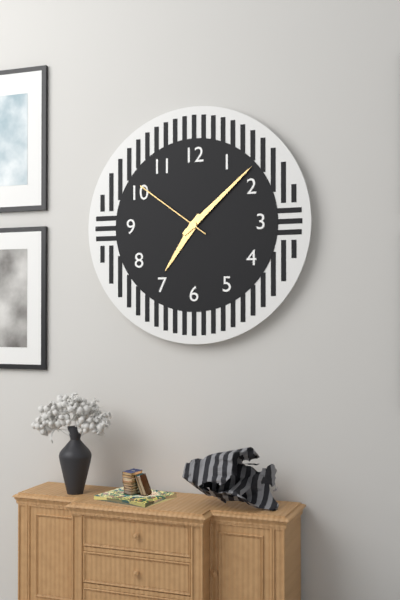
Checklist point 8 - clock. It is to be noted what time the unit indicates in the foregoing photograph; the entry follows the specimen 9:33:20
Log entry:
7:08:51
